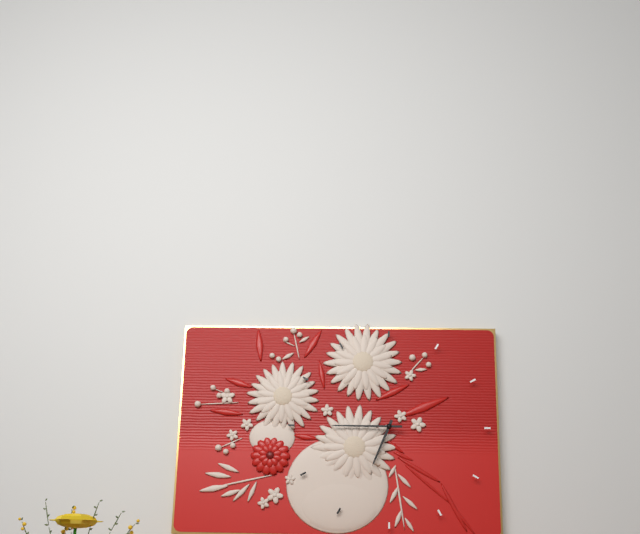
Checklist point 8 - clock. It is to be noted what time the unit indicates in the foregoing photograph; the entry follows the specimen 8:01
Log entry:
6:45
